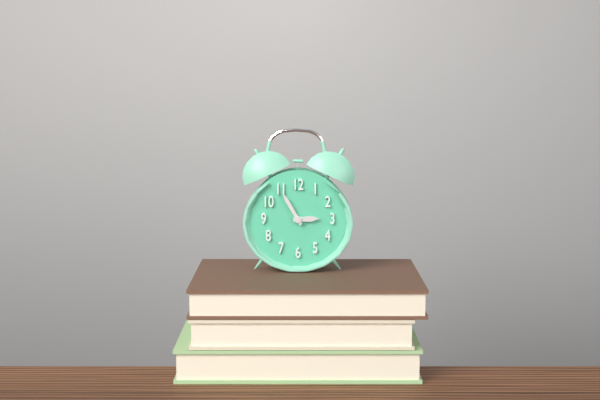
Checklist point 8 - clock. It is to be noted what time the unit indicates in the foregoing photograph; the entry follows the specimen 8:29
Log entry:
2:55
